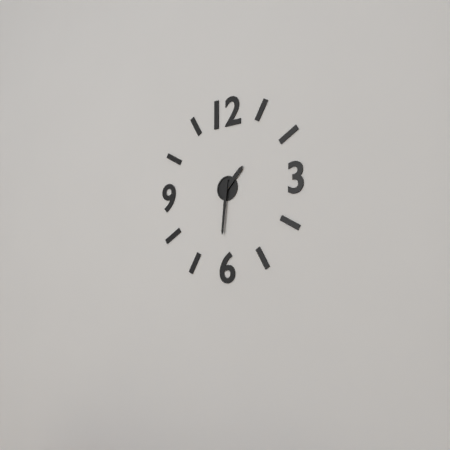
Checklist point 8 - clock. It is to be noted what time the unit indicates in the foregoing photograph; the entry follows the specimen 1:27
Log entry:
1:31
